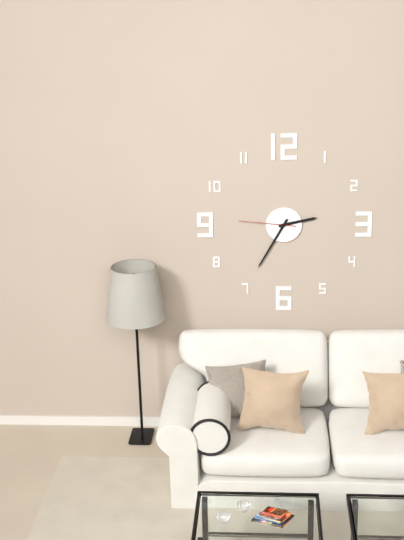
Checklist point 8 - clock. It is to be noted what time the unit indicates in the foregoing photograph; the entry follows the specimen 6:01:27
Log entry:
2:35:46
